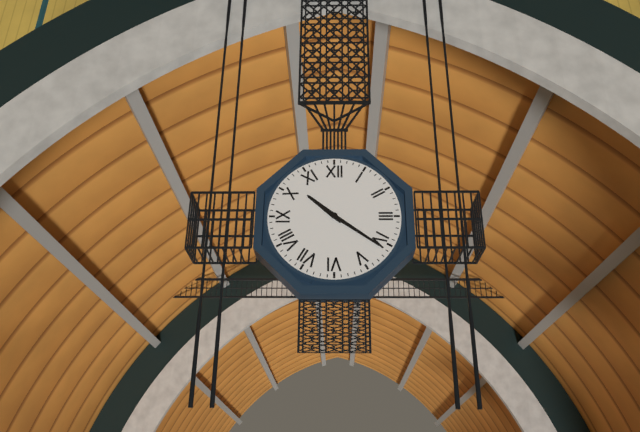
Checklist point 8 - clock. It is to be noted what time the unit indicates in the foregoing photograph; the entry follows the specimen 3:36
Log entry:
10:21
